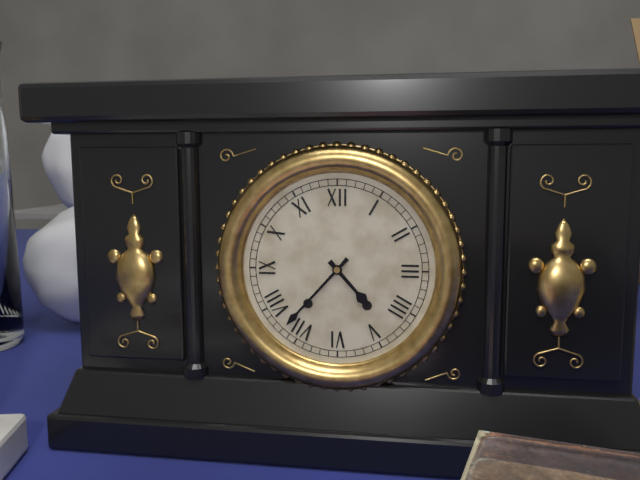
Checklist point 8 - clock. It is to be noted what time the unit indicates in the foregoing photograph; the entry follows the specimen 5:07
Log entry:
4:37
